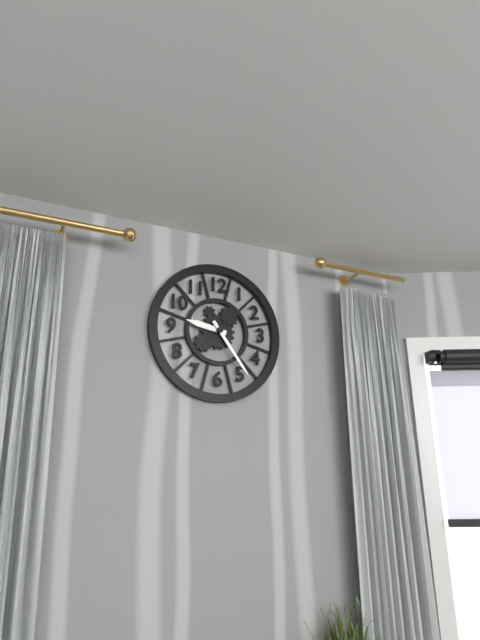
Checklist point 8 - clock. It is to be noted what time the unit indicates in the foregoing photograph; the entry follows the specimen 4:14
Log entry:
9:24
